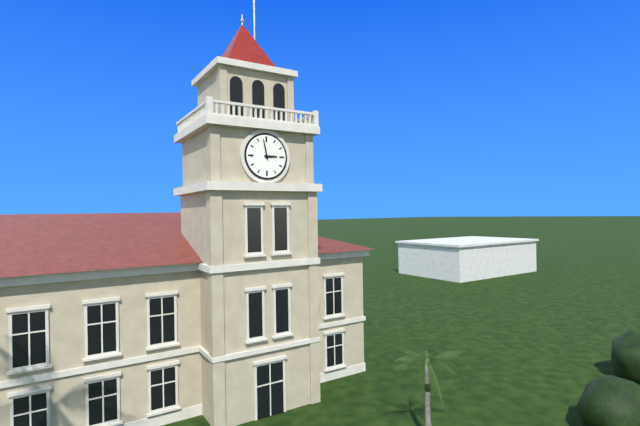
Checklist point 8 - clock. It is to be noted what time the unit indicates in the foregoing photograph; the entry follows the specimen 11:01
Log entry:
2:58
